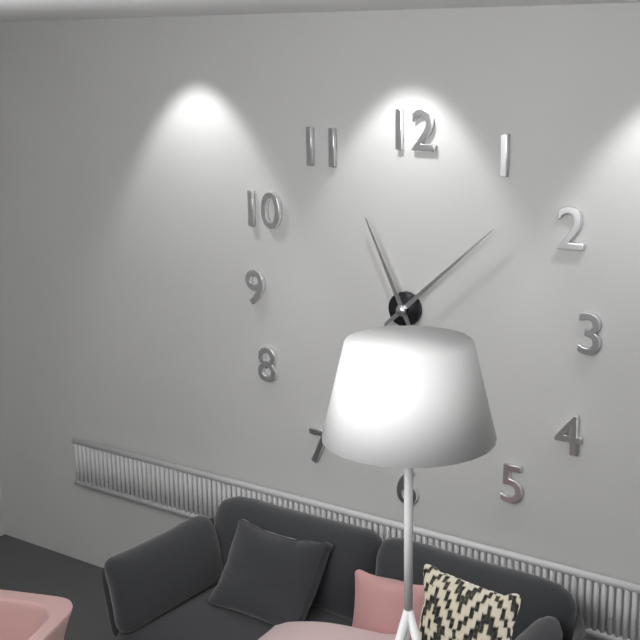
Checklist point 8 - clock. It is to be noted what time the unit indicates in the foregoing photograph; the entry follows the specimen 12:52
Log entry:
11:08
